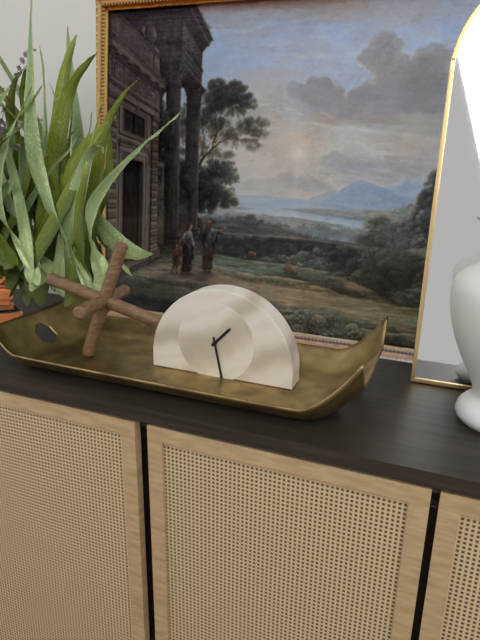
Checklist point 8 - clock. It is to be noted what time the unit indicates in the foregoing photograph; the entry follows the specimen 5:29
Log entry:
1:28
